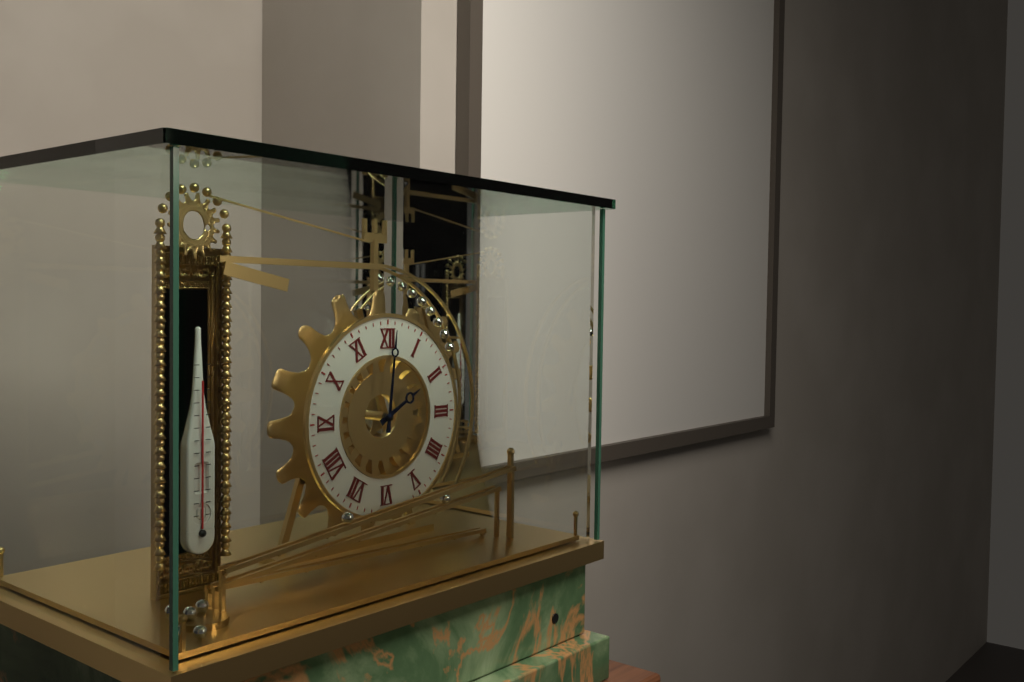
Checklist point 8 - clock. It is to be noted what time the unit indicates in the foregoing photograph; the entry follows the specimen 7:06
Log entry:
2:01
